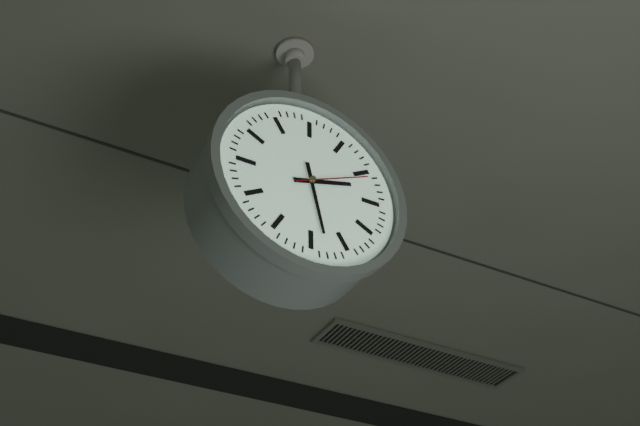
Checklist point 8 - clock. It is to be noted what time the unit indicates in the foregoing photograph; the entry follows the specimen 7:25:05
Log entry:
2:28:11
